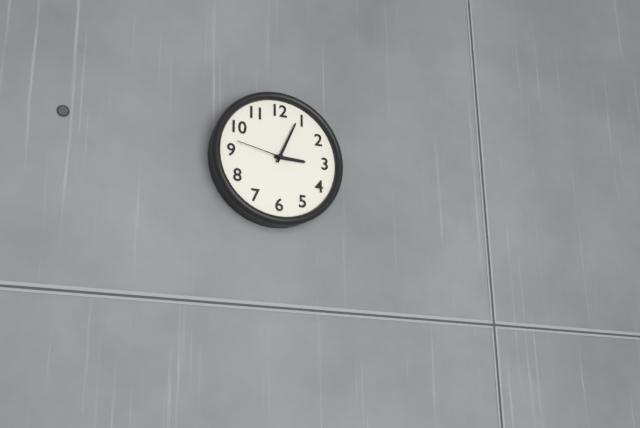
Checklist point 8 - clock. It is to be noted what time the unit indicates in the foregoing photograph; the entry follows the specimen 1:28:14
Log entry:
3:04:47
